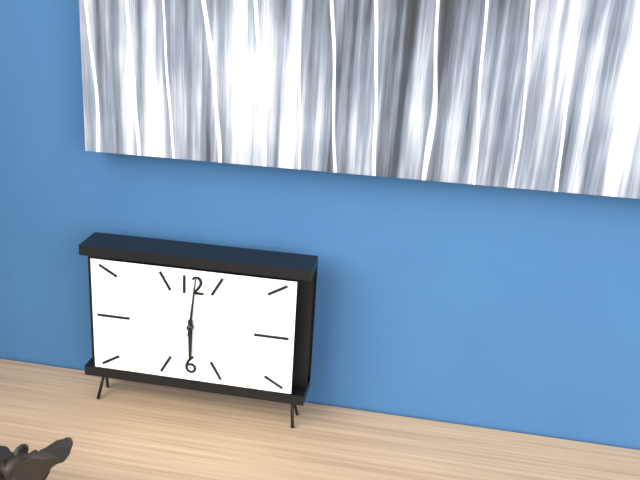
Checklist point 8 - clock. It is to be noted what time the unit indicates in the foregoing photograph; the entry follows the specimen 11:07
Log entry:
6:01
